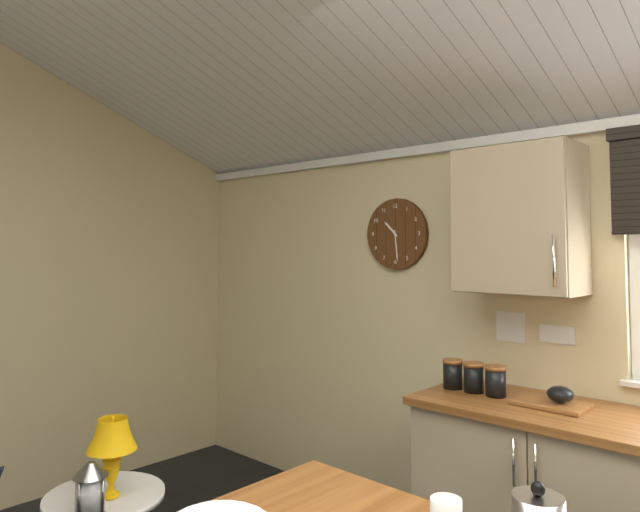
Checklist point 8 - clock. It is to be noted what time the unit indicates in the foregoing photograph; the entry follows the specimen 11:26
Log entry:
10:29
